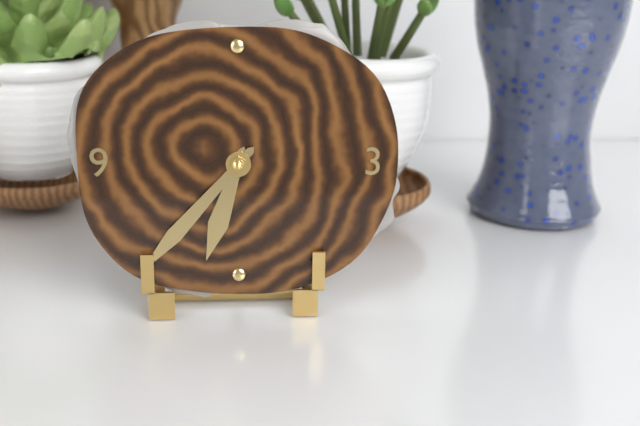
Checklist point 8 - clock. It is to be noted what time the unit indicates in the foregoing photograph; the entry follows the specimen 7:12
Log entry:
6:37
